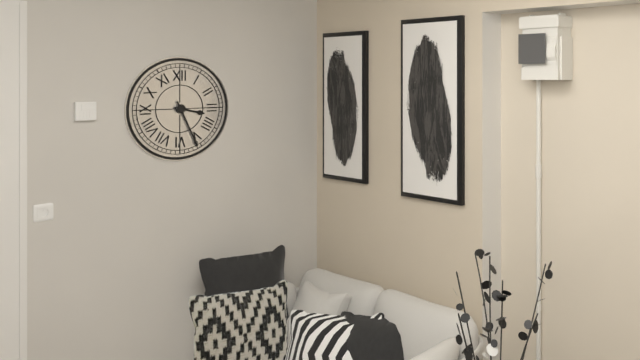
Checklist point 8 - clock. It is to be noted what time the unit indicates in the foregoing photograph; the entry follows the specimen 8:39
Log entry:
3:26
